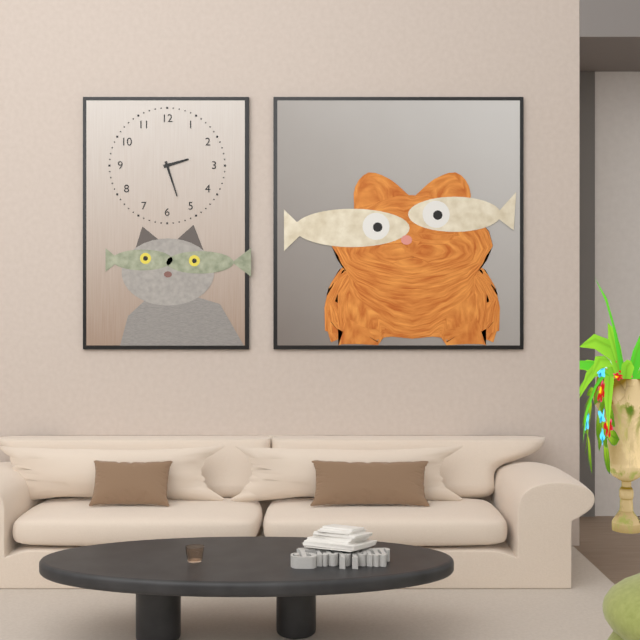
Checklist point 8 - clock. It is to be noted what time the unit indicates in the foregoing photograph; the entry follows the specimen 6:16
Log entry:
2:27
